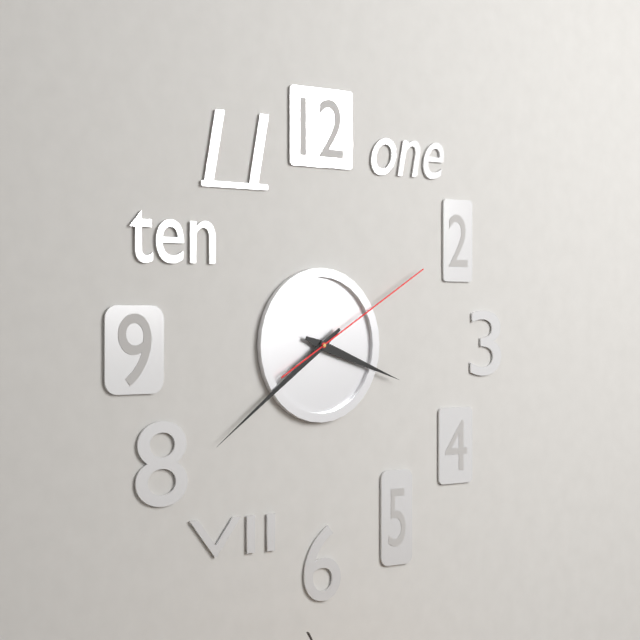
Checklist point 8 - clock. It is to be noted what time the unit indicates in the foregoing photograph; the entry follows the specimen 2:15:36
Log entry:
3:39:10
